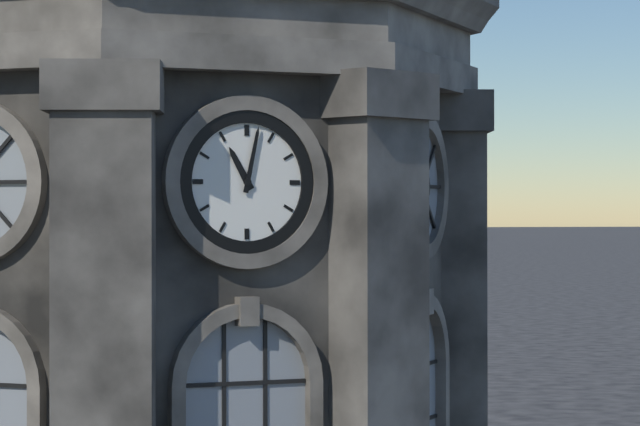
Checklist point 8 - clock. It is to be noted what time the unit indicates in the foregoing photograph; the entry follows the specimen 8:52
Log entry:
11:02
